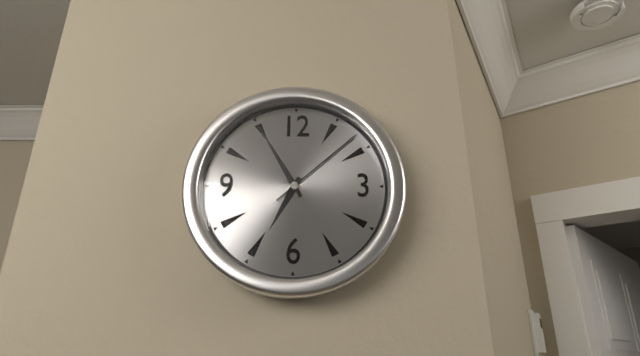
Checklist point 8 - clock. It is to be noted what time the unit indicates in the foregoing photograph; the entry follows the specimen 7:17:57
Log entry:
6:55:08
